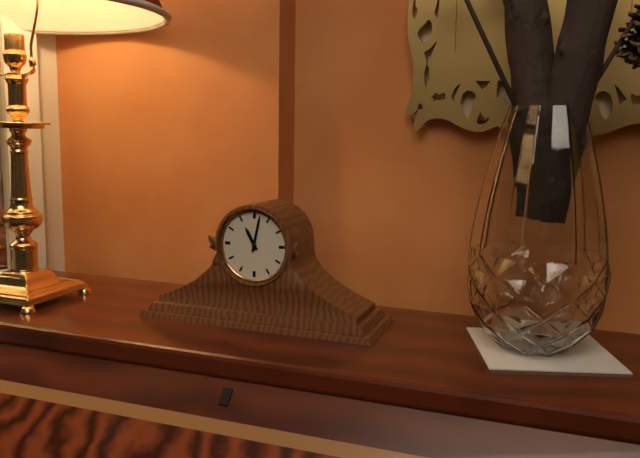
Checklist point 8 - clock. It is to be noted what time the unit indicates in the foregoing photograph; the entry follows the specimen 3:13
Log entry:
11:02
